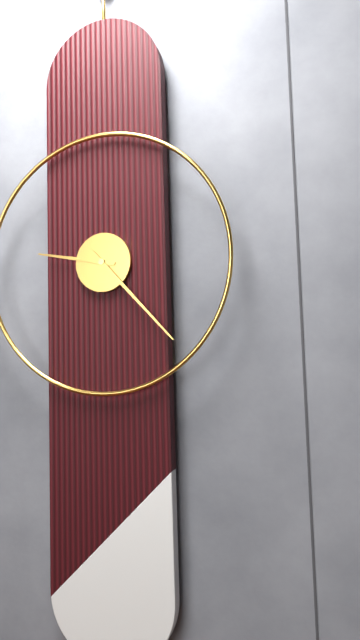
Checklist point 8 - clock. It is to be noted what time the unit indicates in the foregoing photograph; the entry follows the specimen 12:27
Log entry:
9:23
